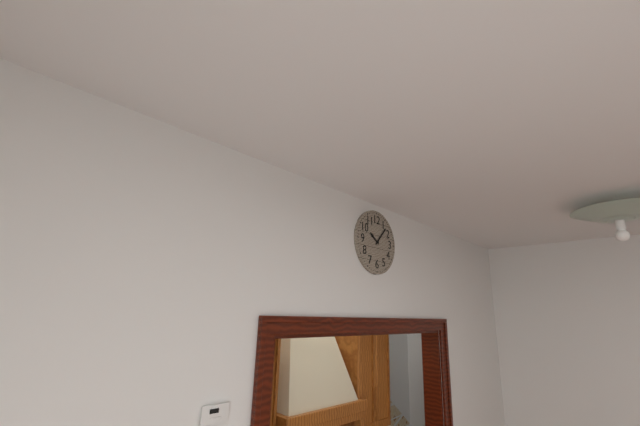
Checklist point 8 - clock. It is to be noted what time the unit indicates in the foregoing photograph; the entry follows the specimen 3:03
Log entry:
10:07
